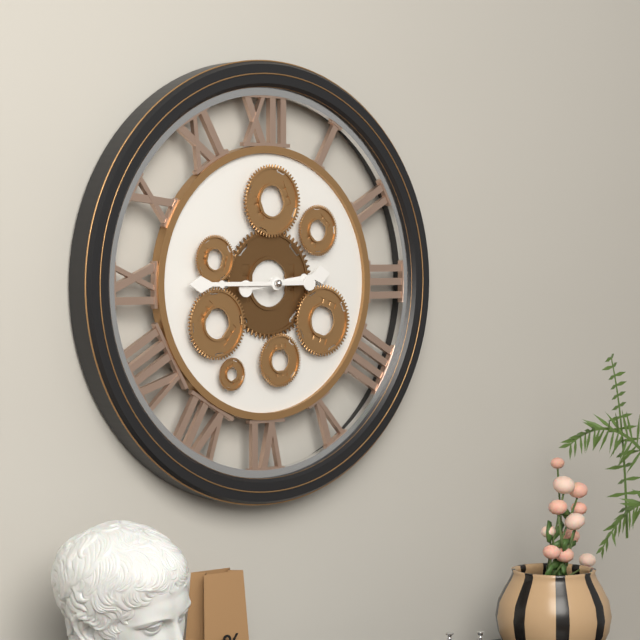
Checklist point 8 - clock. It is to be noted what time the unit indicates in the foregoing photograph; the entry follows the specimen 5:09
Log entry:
2:45
